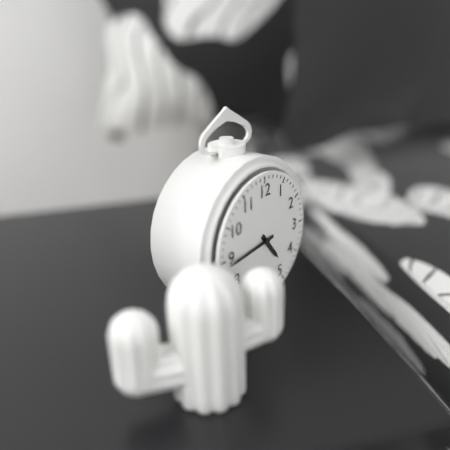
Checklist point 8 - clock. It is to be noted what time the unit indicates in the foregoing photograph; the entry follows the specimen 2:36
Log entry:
4:44
